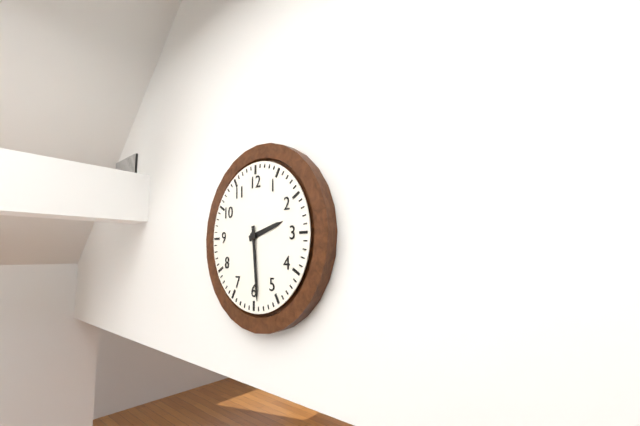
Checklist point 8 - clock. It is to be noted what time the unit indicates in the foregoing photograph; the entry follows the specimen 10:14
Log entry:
2:29
